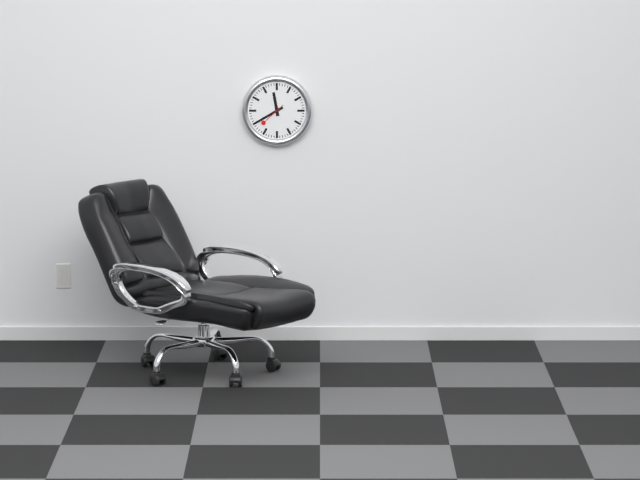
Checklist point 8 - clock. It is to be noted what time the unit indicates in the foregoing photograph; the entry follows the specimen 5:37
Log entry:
11:40
